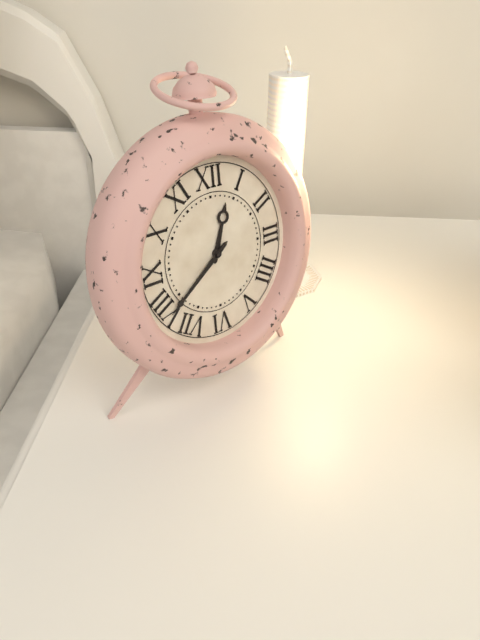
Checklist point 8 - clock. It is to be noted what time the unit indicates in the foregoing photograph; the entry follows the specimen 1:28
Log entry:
12:39
